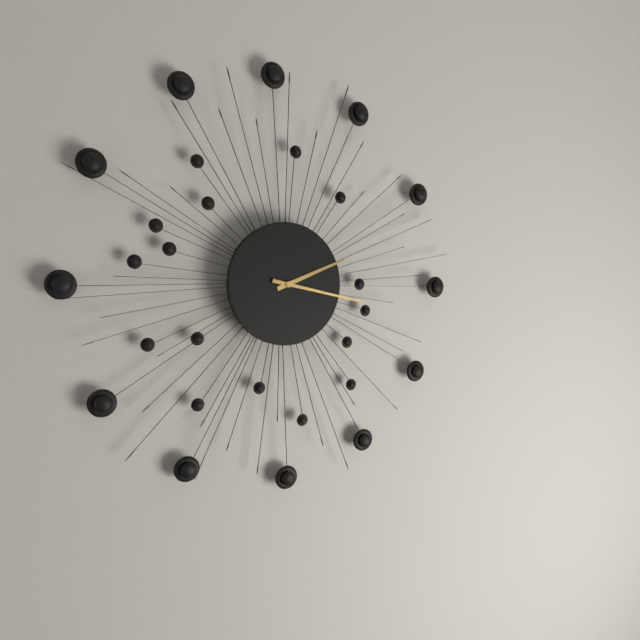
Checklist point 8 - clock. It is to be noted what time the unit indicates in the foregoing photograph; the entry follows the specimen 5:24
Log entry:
2:17
